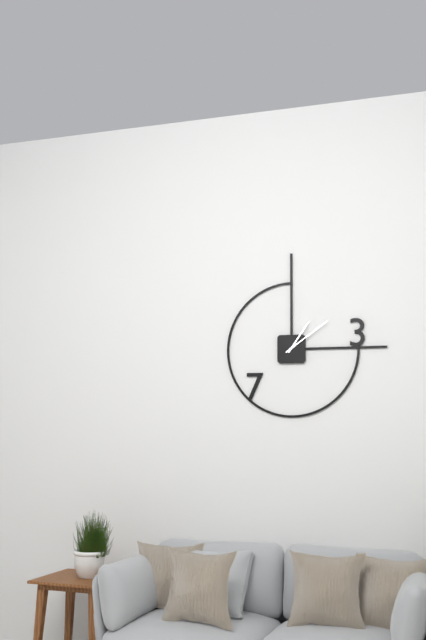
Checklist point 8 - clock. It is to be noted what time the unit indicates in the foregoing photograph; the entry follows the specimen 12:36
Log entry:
1:09
